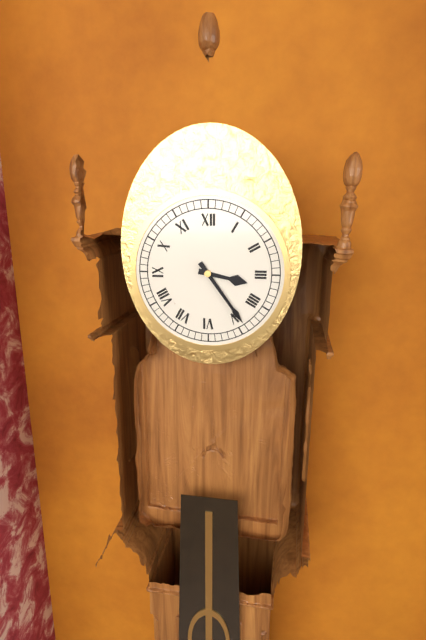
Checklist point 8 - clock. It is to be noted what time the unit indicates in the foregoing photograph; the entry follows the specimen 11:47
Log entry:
3:24
